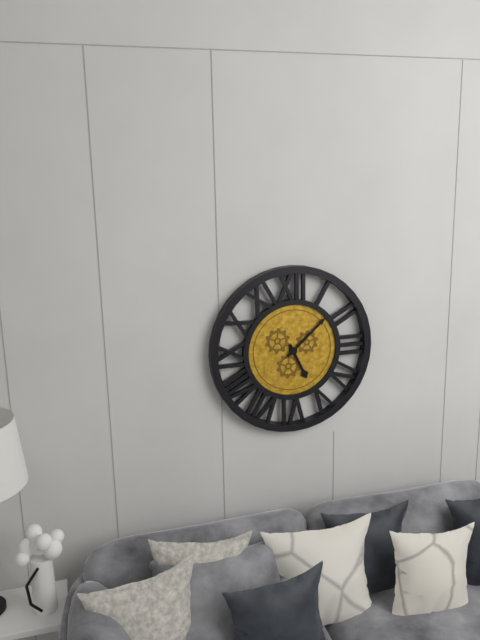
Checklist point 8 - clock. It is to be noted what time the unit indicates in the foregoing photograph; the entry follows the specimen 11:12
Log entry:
5:08
